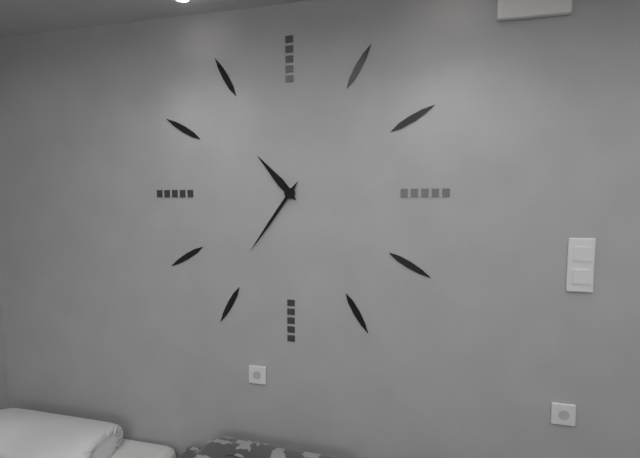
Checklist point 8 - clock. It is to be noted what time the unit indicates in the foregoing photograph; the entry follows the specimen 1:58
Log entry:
10:36
